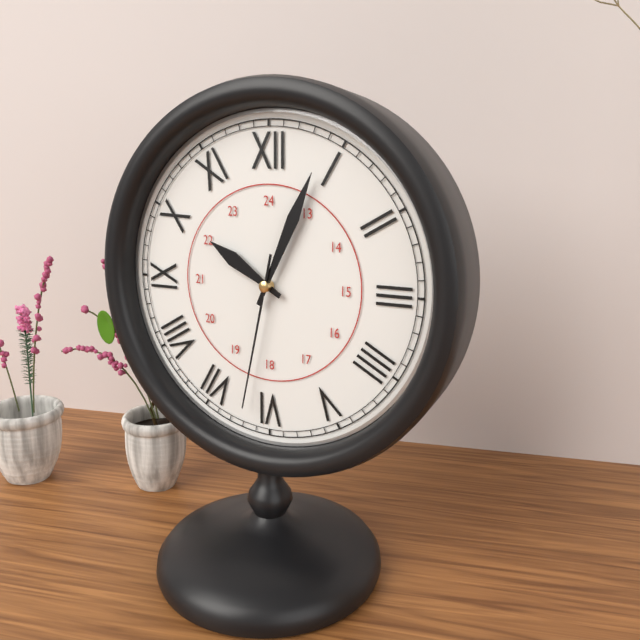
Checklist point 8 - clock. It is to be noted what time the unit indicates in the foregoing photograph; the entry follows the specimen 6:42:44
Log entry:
10:04:32
